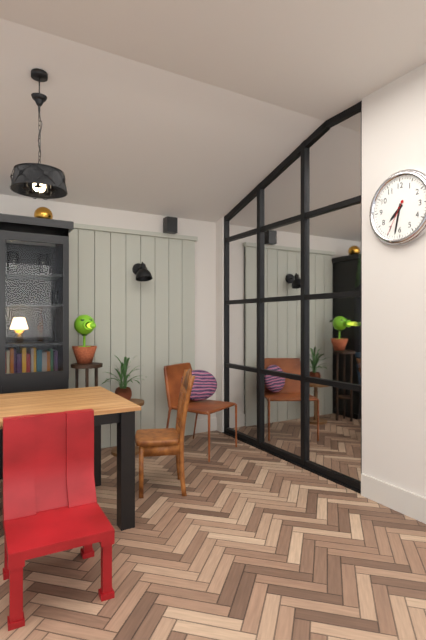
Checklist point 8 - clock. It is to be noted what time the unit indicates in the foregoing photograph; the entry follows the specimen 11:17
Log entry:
7:32
